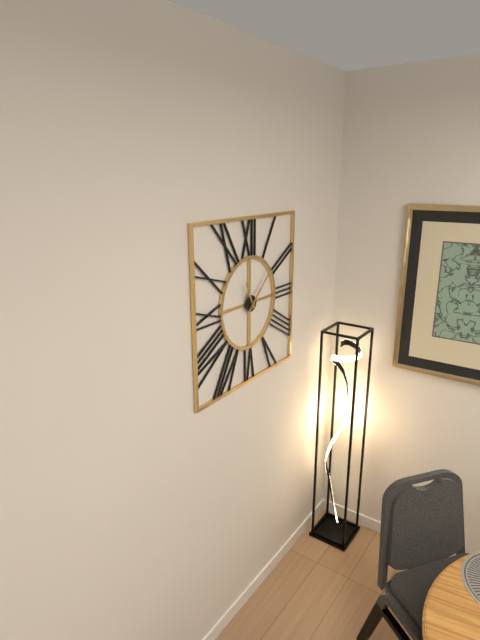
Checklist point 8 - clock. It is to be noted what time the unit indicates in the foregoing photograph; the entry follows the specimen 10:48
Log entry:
11:08
